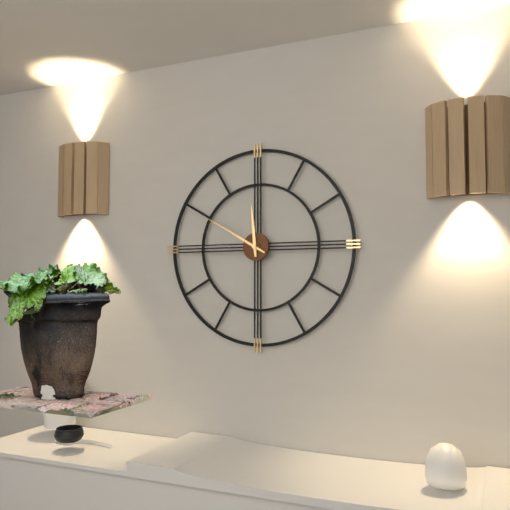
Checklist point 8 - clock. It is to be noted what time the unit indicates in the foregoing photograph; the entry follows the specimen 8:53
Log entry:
11:50
